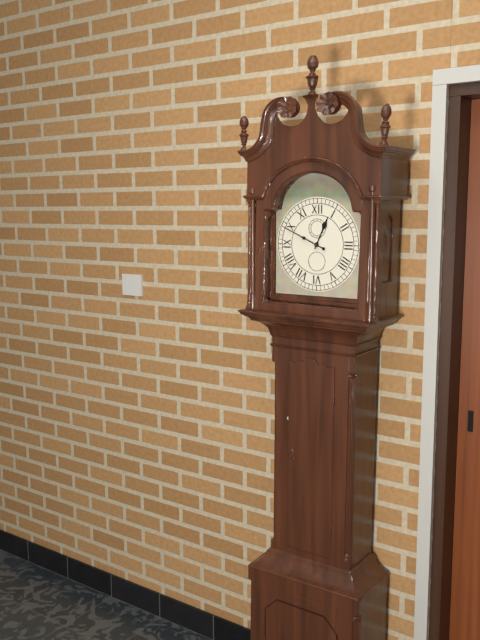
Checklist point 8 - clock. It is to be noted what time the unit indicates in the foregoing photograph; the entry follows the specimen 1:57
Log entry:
12:49
